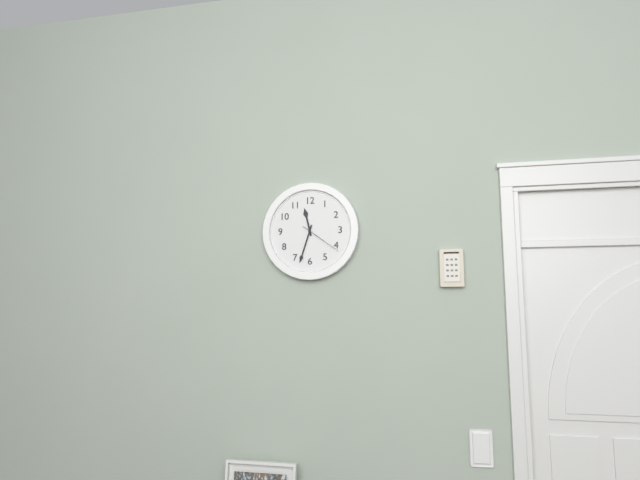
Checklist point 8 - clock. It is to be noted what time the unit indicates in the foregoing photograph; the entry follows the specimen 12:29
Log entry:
11:33
